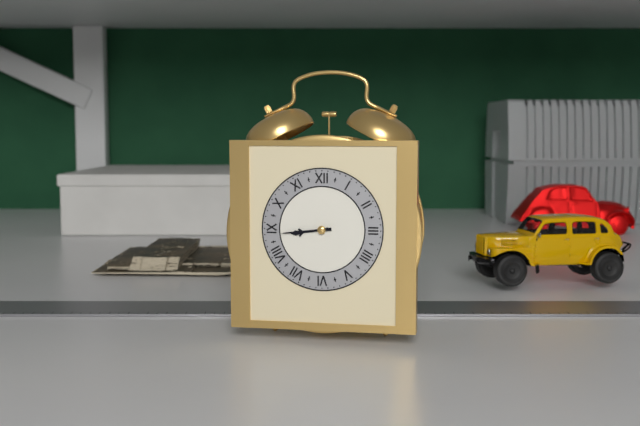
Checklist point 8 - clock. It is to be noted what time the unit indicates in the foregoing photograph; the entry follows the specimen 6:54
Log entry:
8:44
